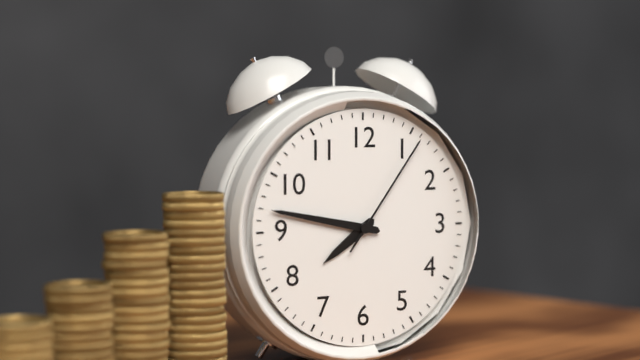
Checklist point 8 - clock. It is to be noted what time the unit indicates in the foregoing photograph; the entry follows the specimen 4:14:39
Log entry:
7:47:06
